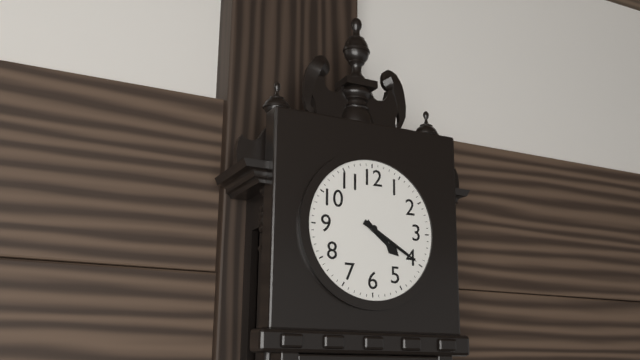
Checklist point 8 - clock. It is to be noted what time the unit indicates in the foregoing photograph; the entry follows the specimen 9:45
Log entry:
4:20
